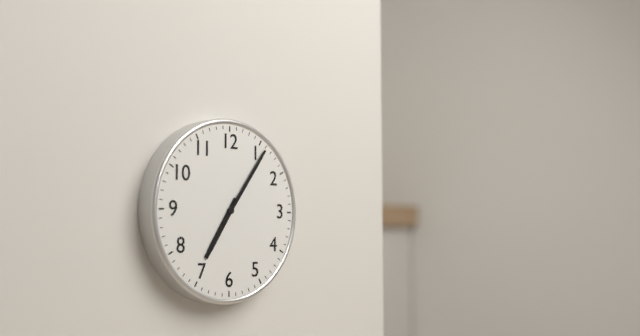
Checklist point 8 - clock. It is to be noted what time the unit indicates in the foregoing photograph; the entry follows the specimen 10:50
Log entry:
7:06
